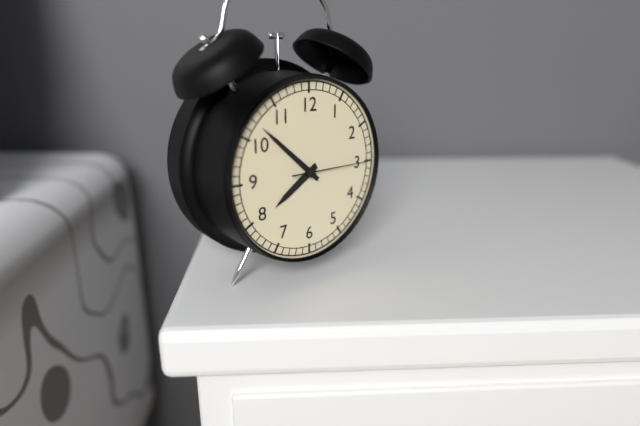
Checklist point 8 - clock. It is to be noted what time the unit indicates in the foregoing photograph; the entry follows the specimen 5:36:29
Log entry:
7:52:15
